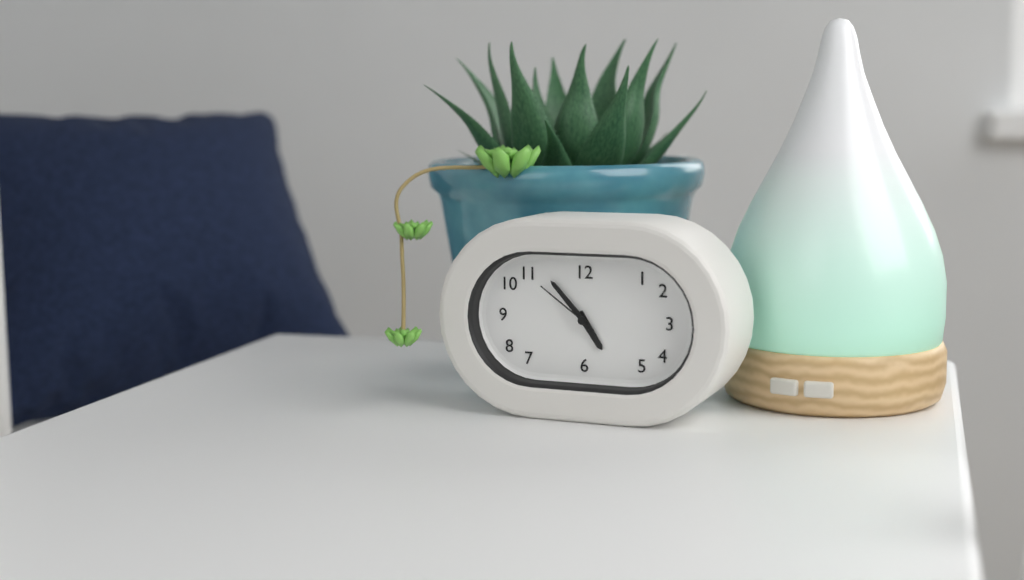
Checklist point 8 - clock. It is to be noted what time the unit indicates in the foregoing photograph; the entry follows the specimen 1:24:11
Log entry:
4:53:51
